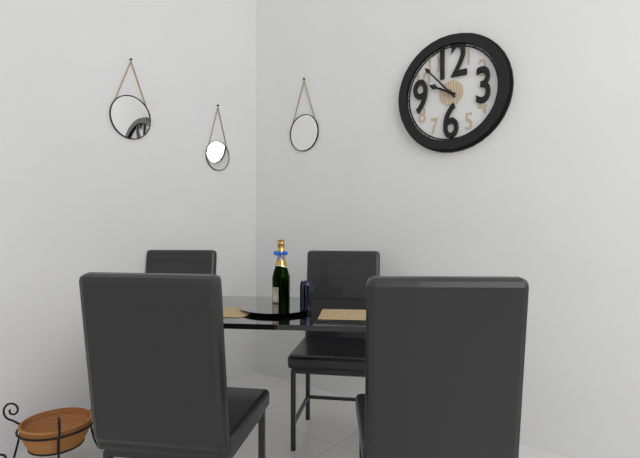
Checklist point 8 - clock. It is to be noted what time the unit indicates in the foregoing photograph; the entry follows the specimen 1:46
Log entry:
9:53
